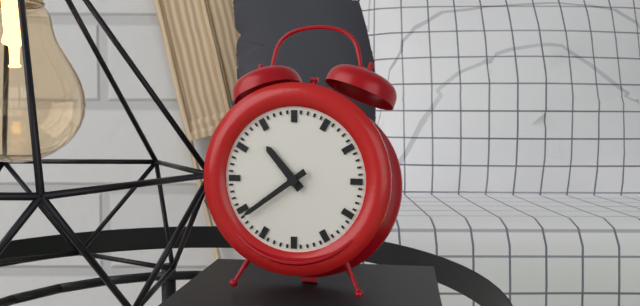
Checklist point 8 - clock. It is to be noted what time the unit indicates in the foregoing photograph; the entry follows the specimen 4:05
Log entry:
10:39
